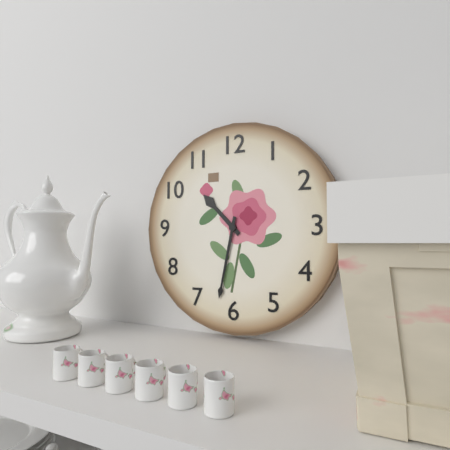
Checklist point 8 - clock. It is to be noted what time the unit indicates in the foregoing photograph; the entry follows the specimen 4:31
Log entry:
10:32
